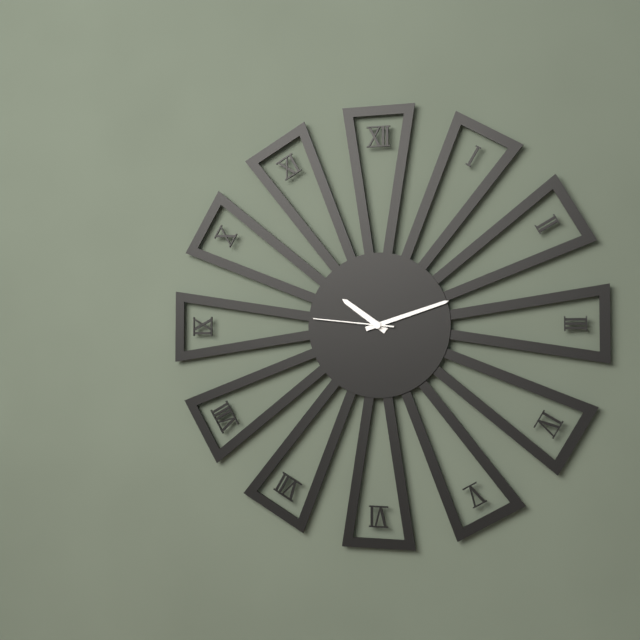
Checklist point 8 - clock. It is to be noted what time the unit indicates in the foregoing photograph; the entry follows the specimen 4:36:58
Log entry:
10:12:46
